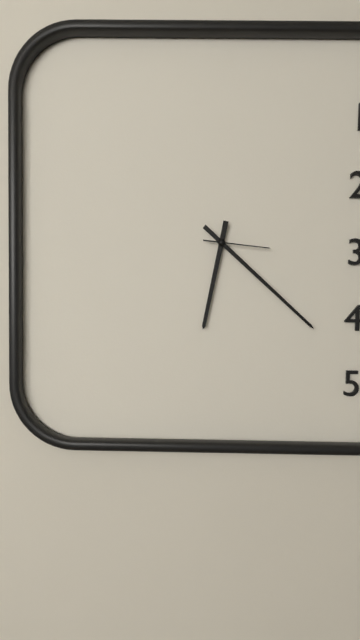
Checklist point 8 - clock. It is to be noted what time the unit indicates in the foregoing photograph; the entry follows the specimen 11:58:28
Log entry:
6:22:16
